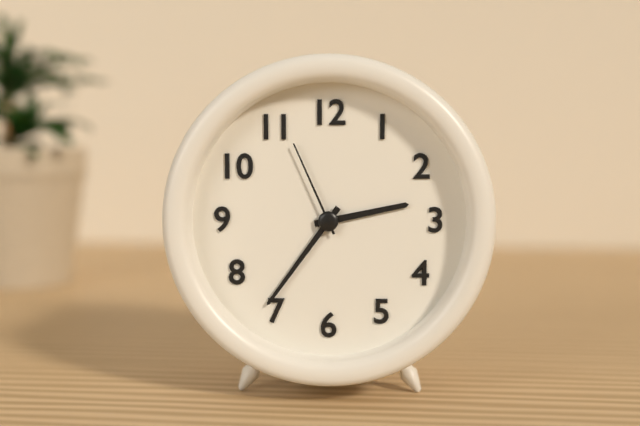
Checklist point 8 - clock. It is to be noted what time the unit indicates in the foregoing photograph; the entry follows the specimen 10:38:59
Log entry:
2:36:56
